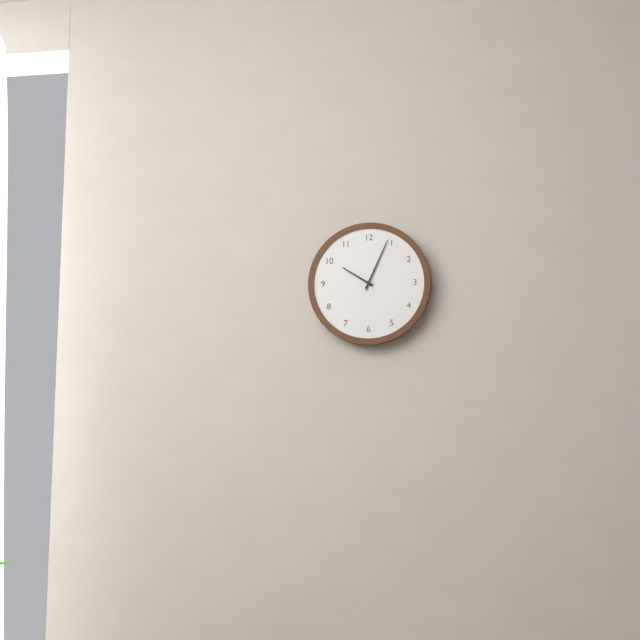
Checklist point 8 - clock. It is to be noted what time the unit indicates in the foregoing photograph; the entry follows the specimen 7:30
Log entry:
10:04
